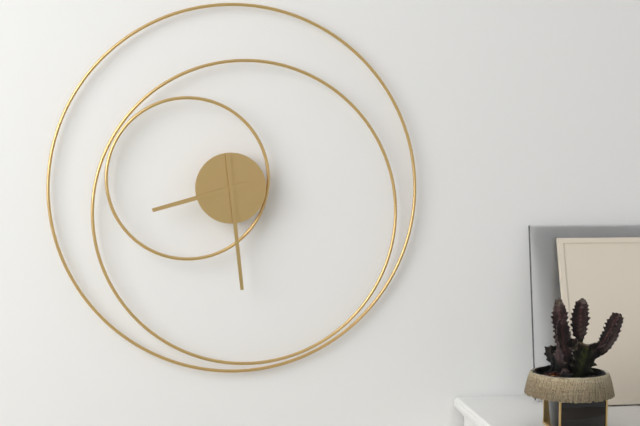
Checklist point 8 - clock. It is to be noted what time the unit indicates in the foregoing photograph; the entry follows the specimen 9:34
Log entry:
8:29
